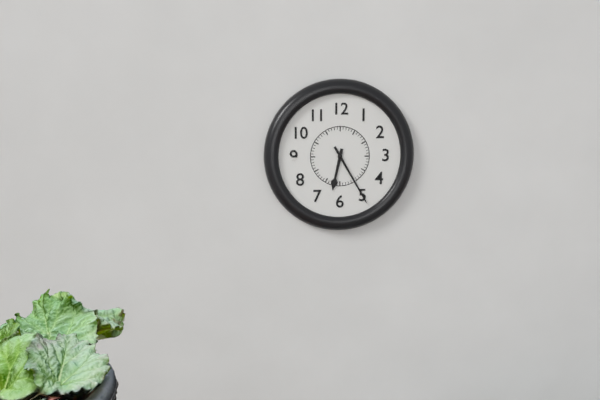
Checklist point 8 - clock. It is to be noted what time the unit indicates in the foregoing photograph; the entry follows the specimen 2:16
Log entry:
6:25
